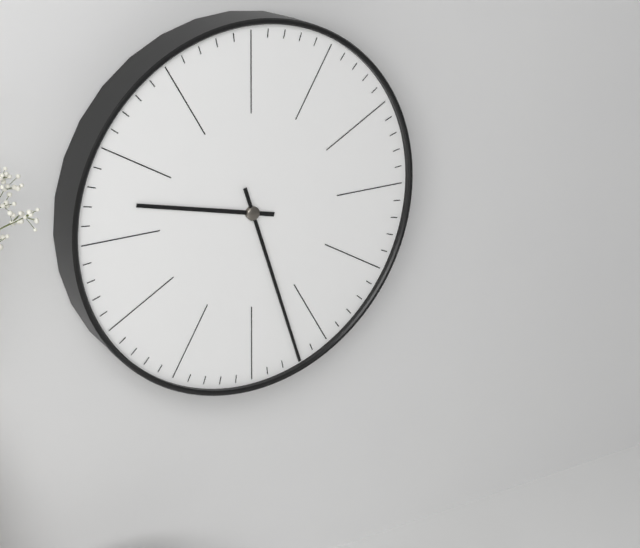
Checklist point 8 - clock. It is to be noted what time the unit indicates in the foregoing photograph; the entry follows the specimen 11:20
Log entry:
9:27
